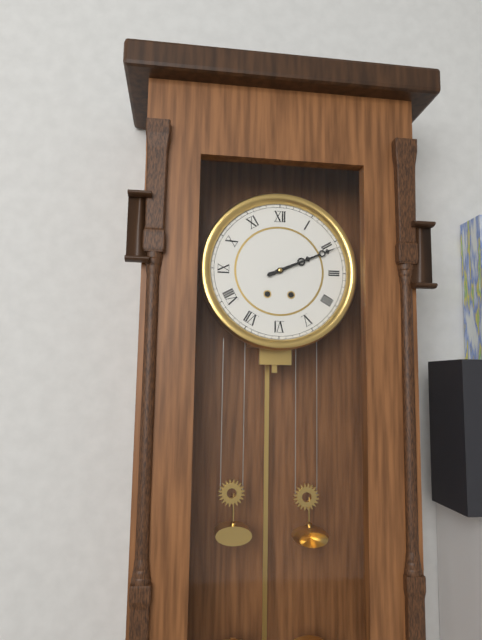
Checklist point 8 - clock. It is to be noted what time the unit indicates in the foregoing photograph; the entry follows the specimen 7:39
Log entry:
2:11
